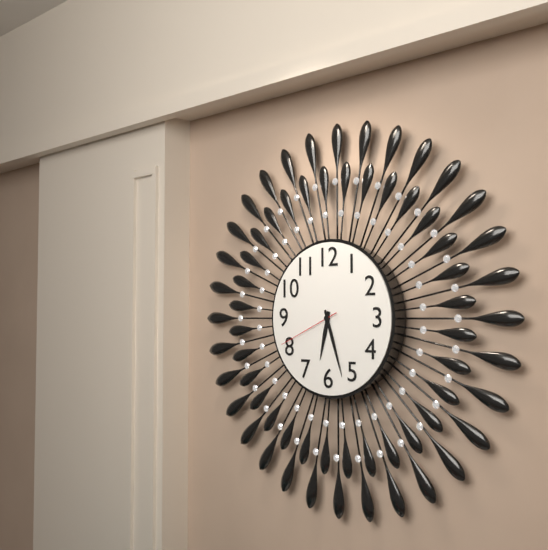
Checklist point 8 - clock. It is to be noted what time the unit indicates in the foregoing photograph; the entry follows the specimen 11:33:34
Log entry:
6:27:41
